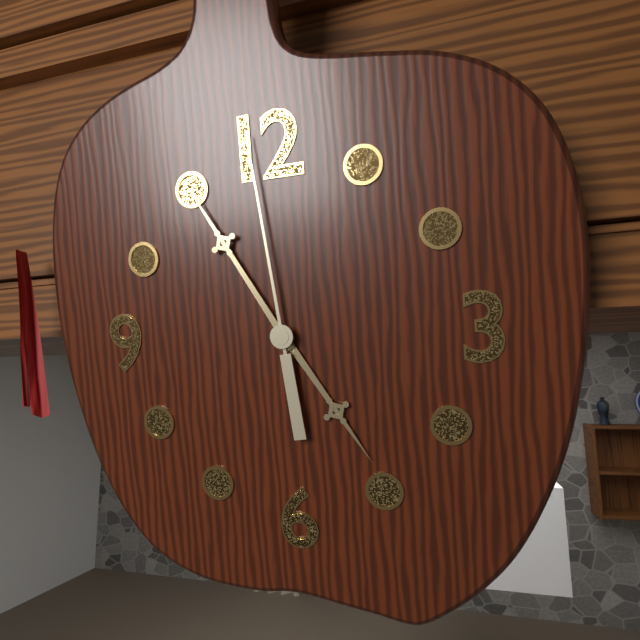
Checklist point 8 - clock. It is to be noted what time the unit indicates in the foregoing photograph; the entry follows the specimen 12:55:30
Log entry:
4:55:59
